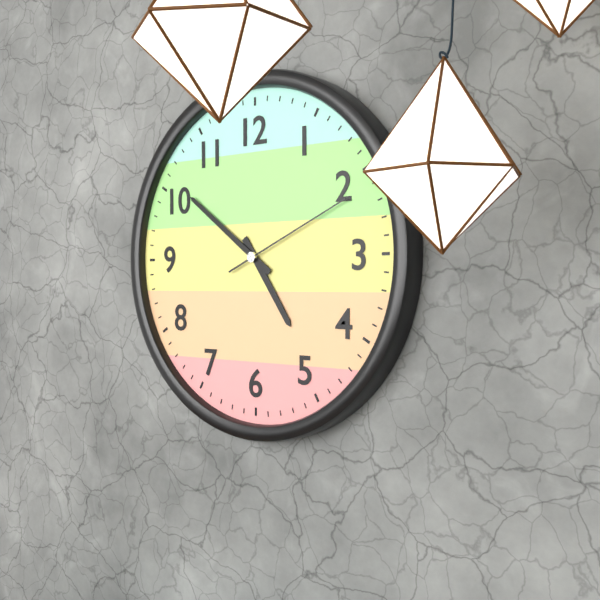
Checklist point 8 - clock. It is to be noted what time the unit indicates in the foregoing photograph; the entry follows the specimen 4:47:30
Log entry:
4:51:11
